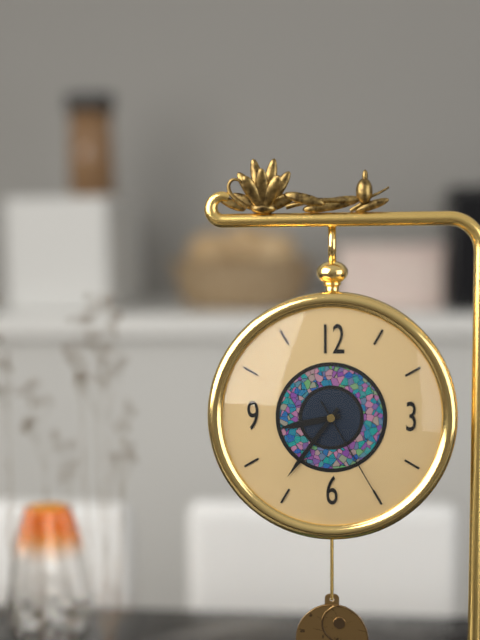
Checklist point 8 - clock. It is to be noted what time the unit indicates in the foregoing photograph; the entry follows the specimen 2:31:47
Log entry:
8:36:25
